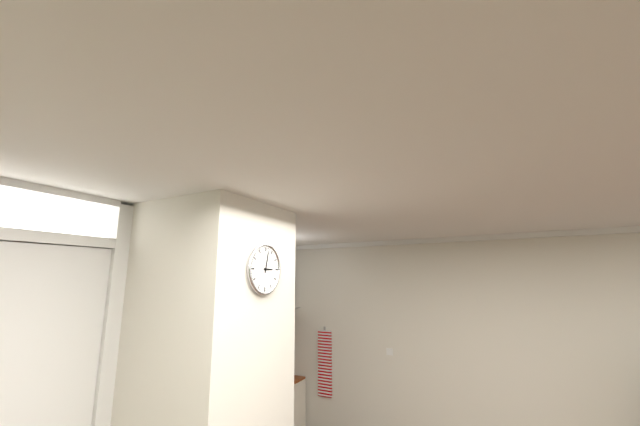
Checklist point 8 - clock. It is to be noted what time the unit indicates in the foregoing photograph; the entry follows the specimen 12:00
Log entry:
3:02
